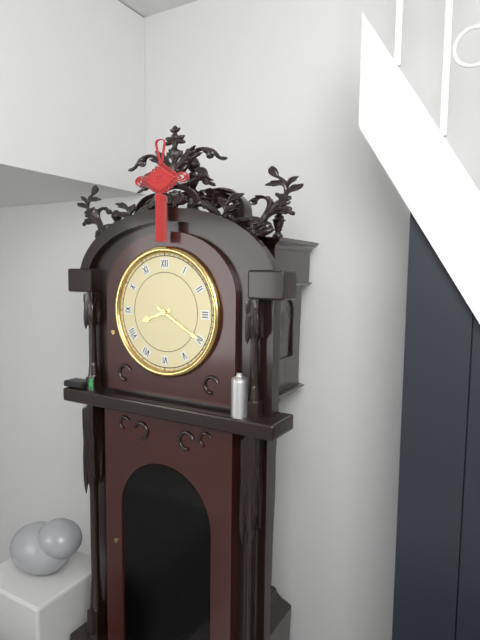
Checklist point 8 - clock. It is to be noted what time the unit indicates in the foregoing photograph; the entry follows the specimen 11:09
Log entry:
8:20
